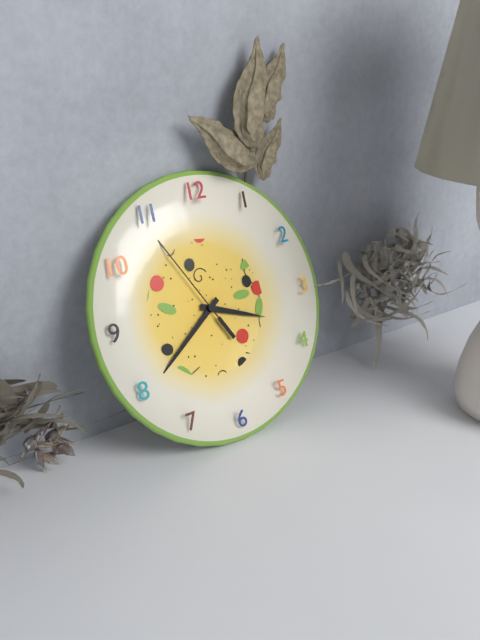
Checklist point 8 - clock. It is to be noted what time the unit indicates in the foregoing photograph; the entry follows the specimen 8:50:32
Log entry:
3:39:55
